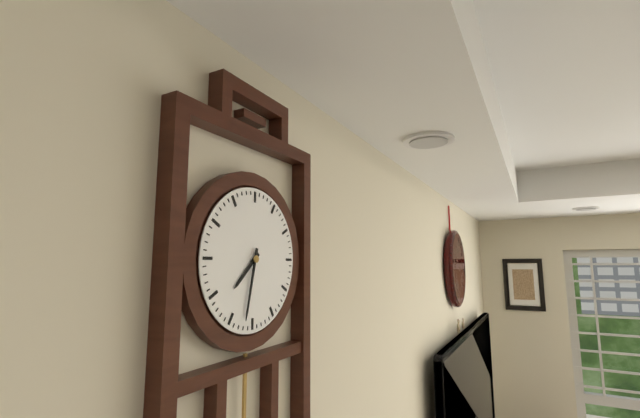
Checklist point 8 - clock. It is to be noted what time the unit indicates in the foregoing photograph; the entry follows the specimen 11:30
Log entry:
7:32
